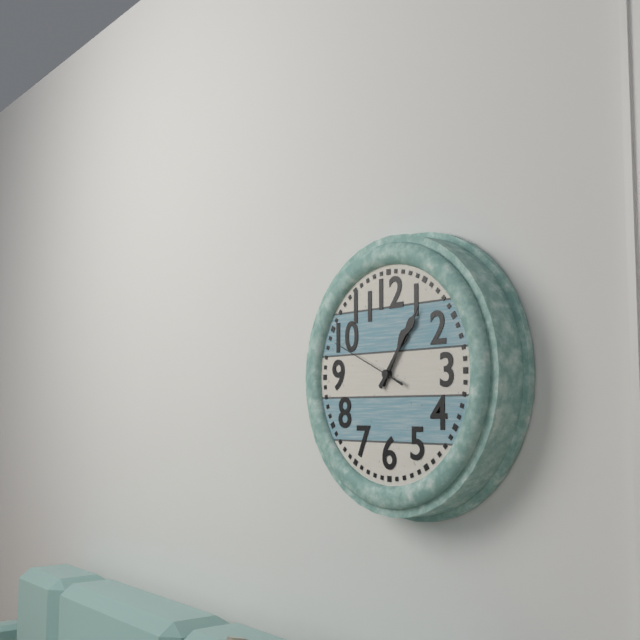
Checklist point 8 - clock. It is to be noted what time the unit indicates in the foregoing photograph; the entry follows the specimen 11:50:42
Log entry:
1:06:49
